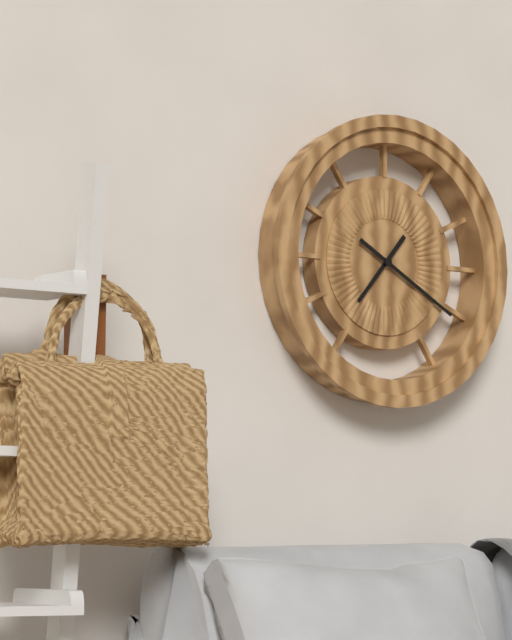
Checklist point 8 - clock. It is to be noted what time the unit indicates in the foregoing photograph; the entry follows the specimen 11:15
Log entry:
7:20
